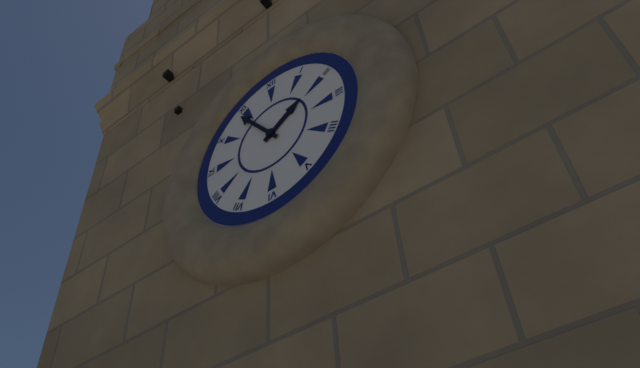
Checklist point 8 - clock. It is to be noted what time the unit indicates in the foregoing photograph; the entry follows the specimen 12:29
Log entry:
1:54
